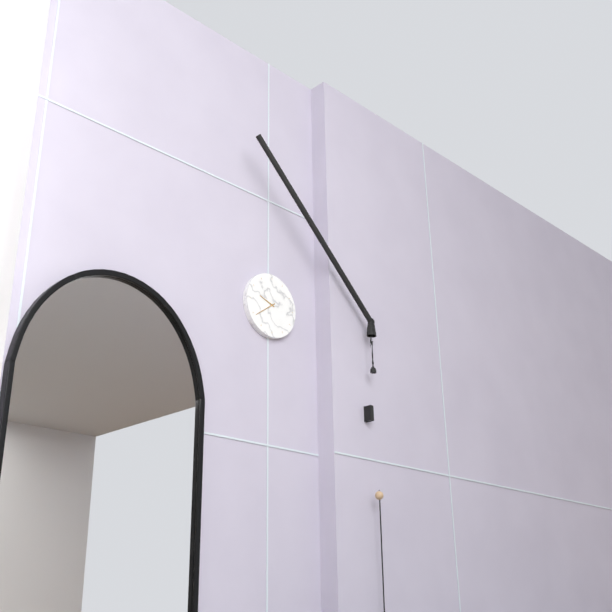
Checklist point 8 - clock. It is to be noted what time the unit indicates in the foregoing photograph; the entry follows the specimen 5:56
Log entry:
9:39
